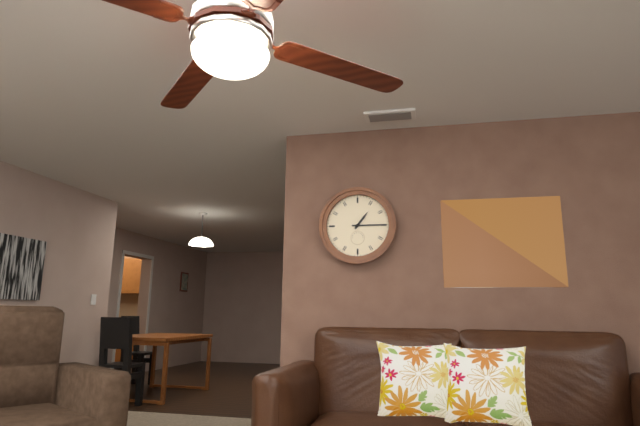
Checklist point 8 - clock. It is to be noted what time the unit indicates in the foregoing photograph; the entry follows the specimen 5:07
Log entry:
1:15
